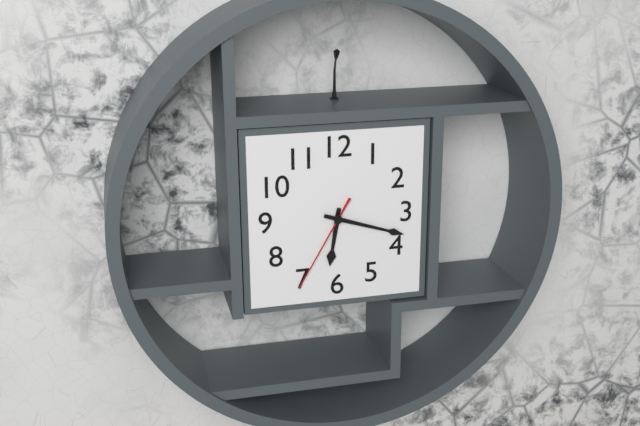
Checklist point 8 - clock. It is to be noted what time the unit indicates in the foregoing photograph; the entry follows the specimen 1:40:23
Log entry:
6:18:35
